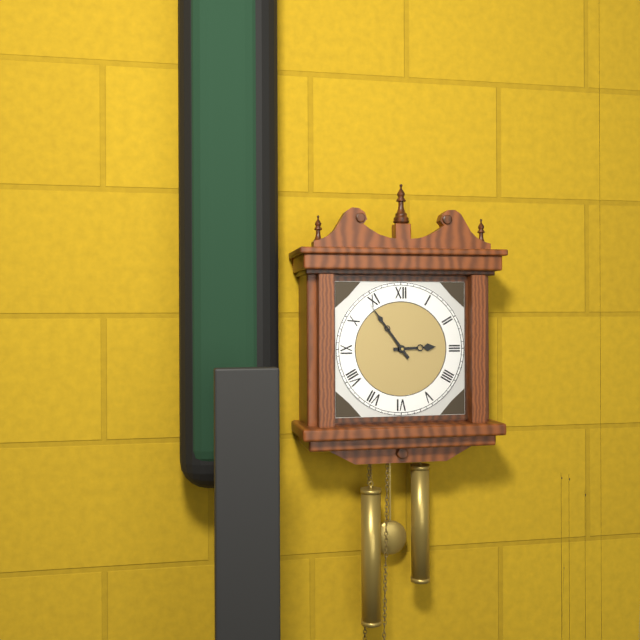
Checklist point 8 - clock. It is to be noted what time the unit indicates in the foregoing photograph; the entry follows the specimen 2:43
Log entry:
2:54
